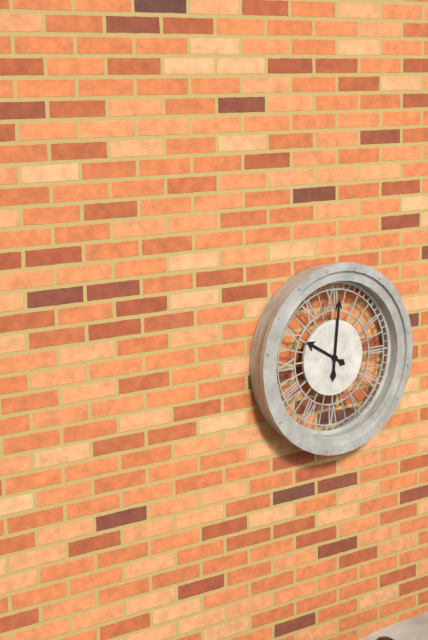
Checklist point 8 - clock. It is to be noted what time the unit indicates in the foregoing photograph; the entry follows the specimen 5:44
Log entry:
10:01
